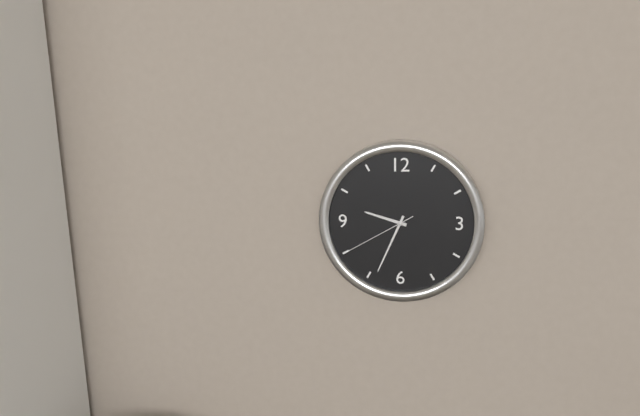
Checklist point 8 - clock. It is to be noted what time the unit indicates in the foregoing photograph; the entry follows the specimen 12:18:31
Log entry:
9:34:40
